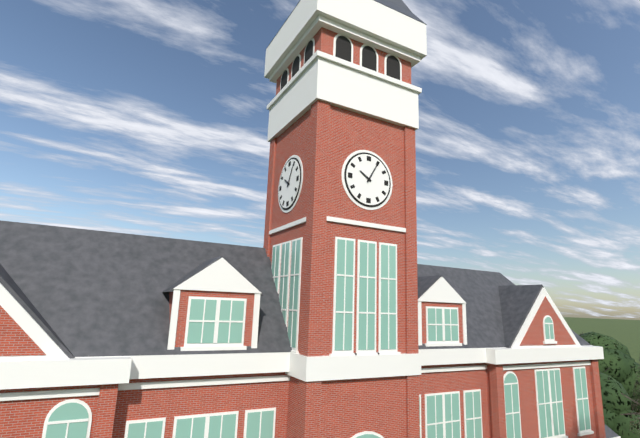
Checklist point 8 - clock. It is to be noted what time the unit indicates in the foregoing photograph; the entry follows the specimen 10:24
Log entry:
10:05
